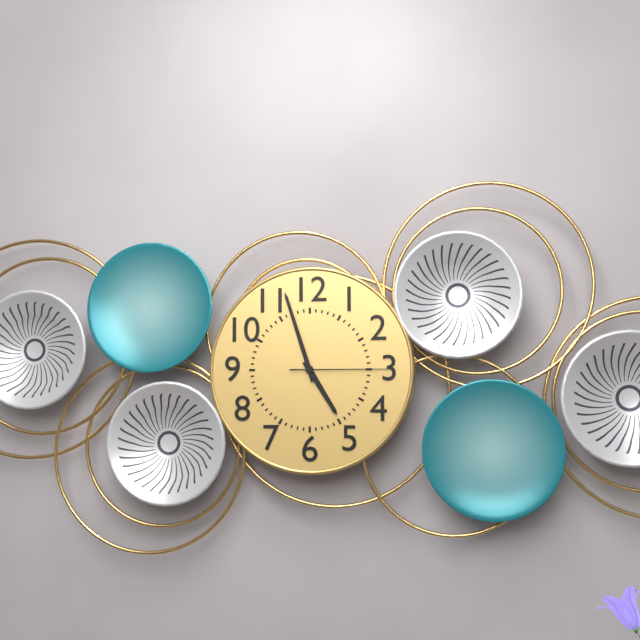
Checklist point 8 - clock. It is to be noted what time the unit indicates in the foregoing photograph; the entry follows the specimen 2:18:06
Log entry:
4:57:15
